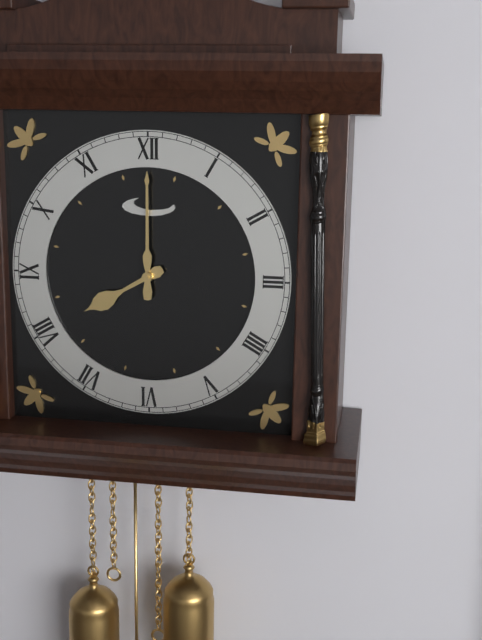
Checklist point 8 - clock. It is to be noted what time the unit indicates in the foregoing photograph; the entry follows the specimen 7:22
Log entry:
8:00
